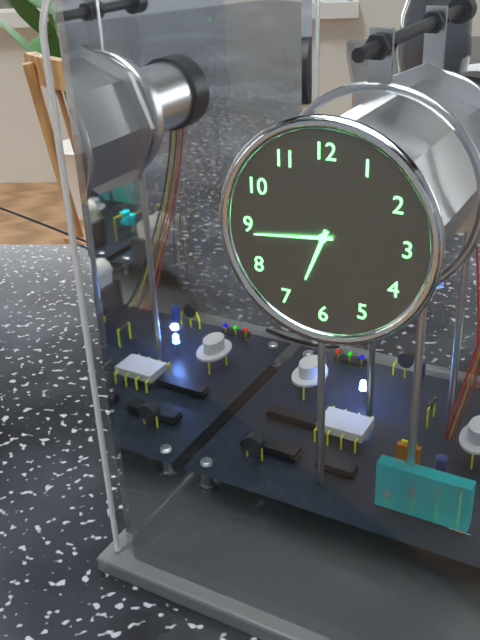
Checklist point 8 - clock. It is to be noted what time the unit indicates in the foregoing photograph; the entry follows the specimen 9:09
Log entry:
6:44
